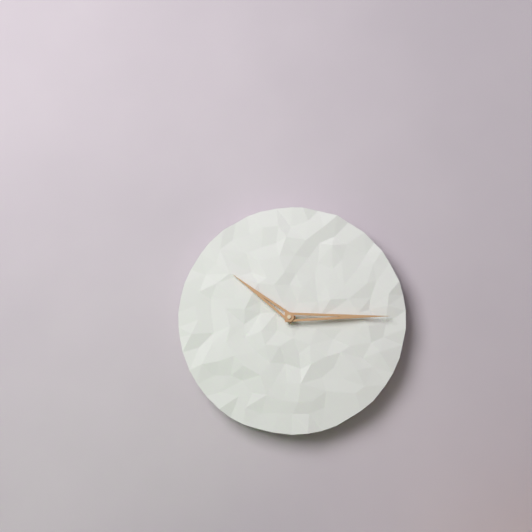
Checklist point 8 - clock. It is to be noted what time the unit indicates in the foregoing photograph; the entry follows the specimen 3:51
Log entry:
10:15
